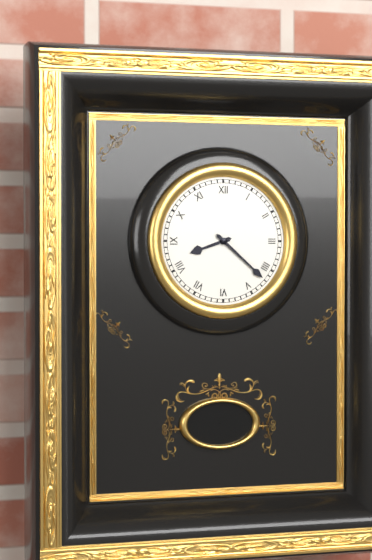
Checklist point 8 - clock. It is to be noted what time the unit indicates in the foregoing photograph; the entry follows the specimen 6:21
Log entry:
8:22
